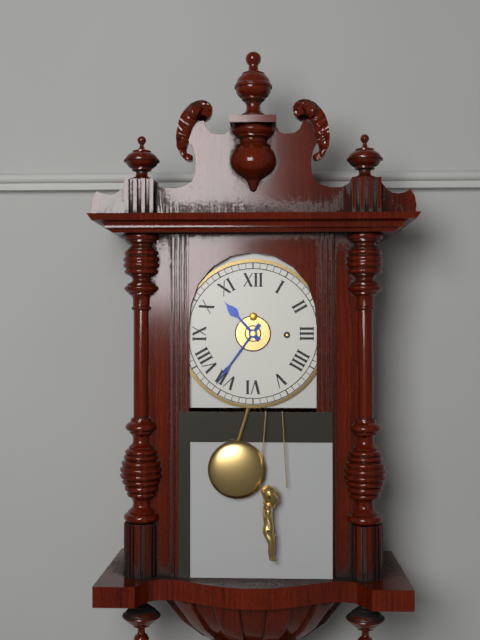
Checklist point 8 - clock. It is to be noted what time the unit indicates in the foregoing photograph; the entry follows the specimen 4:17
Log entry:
10:36
